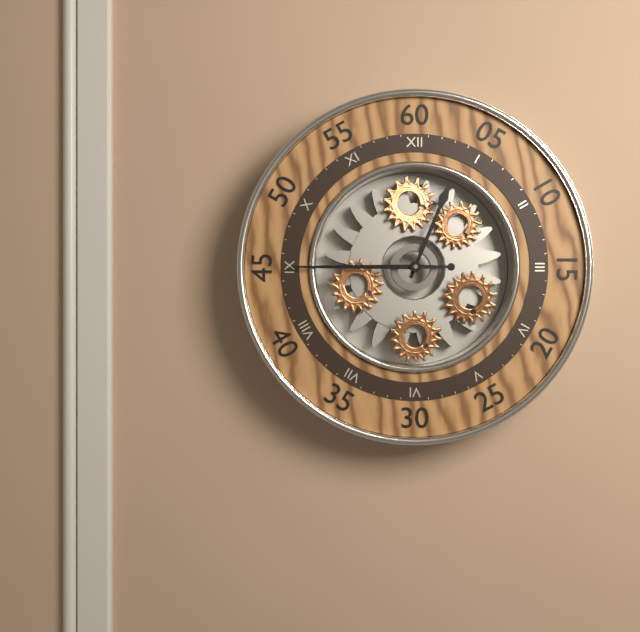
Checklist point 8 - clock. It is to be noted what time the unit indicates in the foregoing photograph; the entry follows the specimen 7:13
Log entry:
12:45
